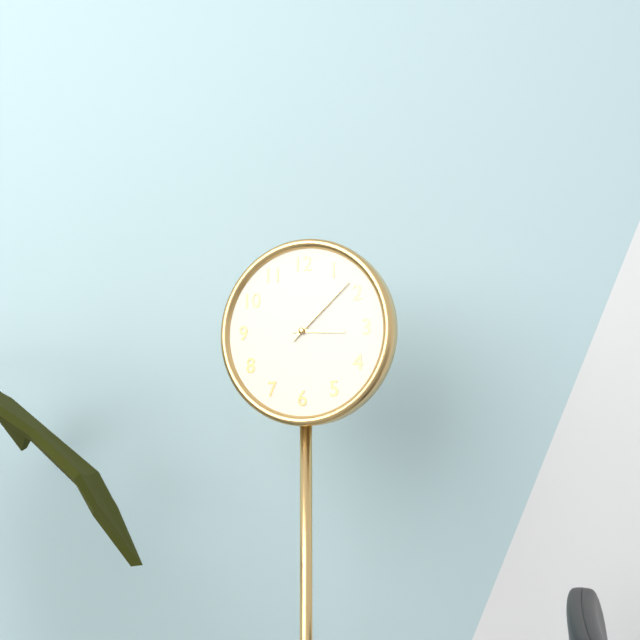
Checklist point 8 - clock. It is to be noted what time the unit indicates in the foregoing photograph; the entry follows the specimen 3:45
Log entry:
3:08
